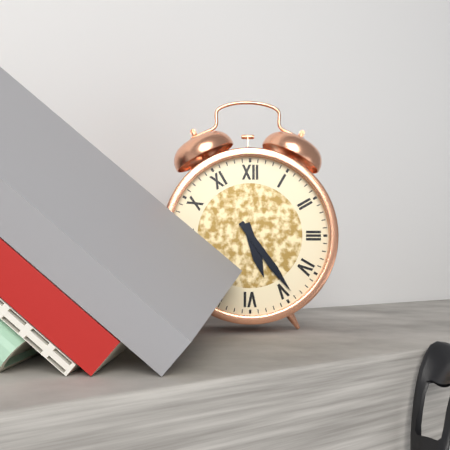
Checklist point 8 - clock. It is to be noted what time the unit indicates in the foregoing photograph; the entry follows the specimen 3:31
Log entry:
5:24
